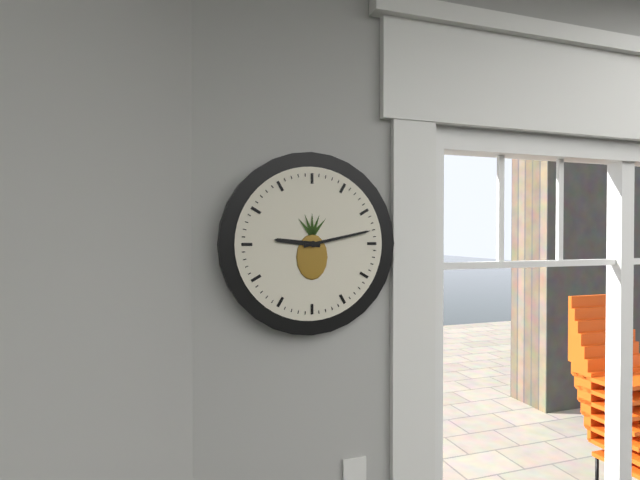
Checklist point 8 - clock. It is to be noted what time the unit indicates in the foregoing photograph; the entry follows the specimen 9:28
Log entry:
9:13
